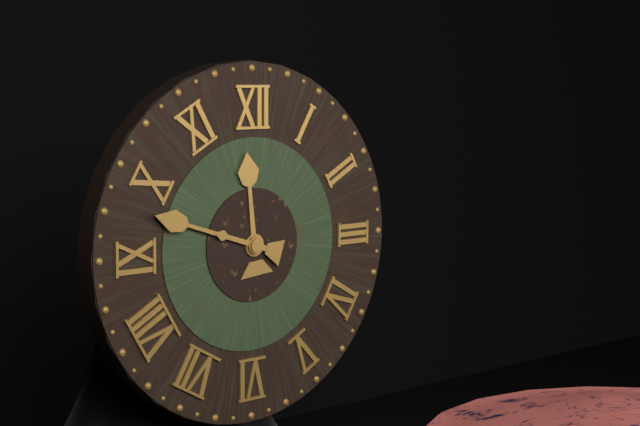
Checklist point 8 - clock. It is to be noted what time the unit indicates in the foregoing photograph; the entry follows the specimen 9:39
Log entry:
11:48
